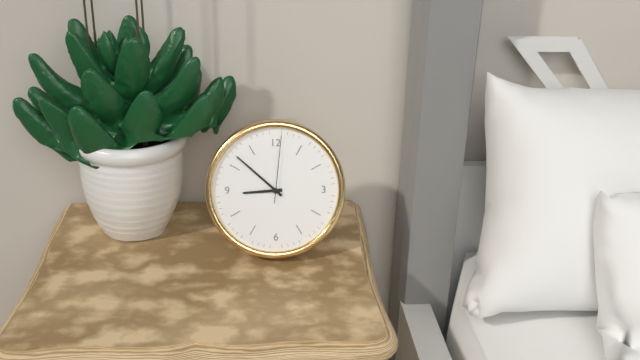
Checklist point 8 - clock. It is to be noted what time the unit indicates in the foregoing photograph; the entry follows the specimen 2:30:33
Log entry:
8:52:01
